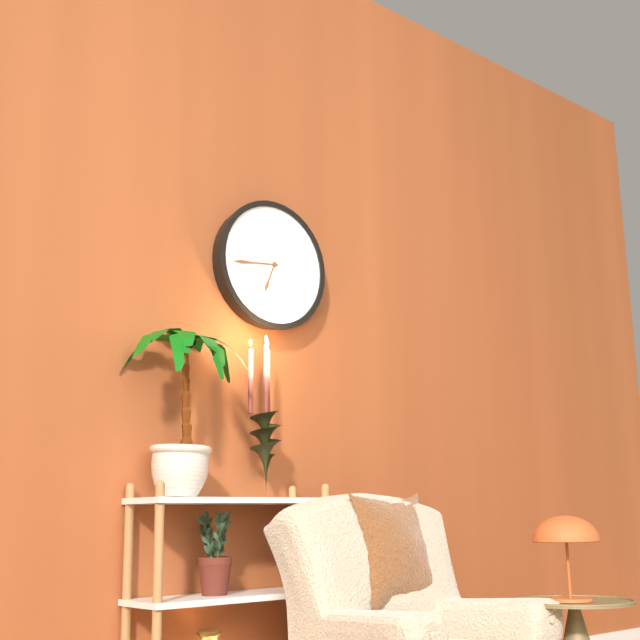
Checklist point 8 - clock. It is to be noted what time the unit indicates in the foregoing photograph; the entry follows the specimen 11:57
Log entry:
6:44
